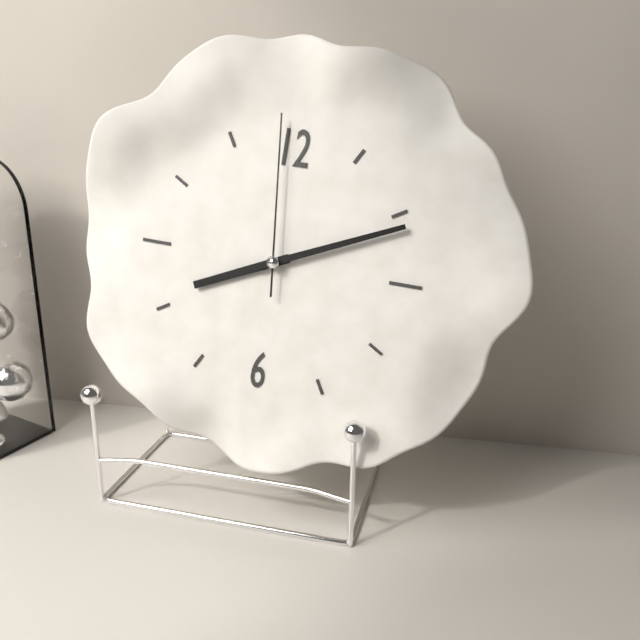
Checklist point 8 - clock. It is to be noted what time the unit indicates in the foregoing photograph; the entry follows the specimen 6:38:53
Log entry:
8:11:59
